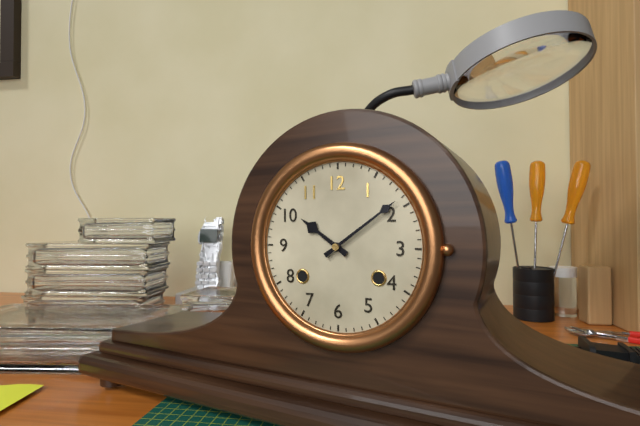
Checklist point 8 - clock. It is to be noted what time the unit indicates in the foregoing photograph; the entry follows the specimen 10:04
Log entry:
10:09
